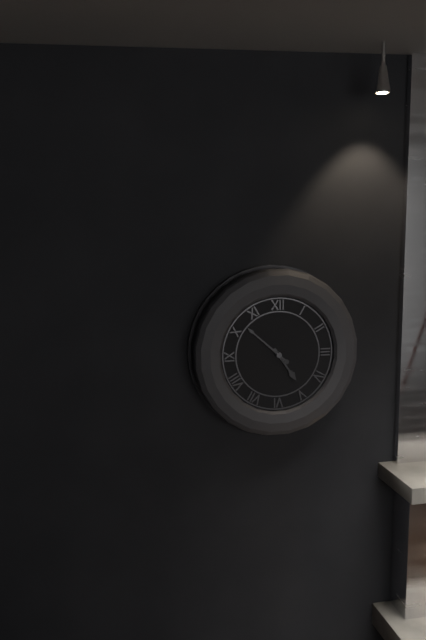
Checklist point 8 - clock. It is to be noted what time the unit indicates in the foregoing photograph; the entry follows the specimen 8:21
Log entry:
4:52
